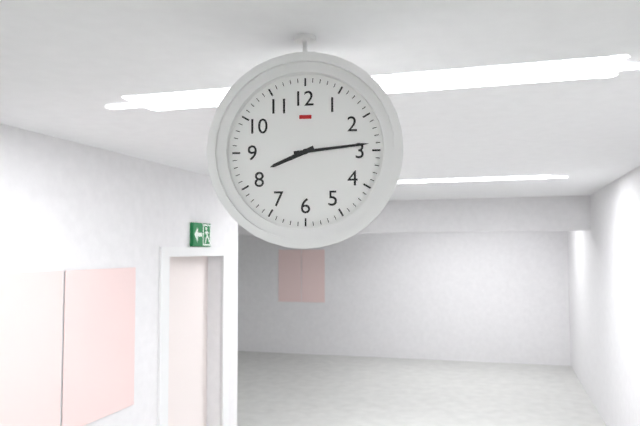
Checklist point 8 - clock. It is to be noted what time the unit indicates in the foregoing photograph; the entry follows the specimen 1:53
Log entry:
8:14
